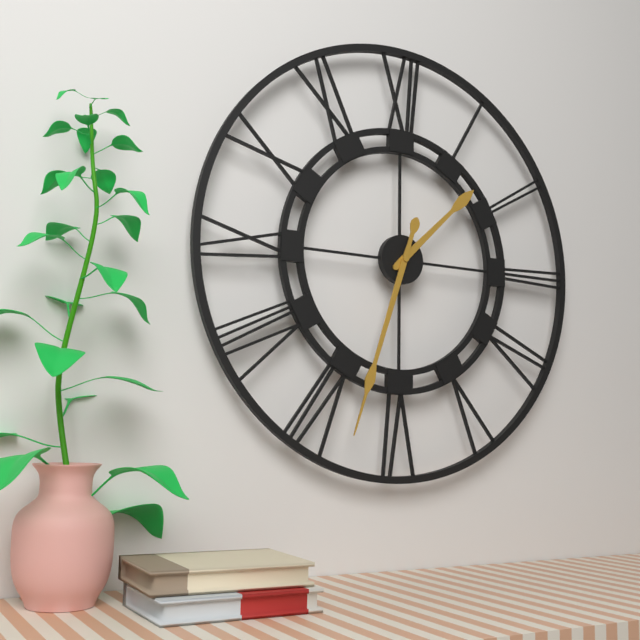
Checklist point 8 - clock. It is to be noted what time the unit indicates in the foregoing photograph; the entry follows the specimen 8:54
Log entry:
1:33
